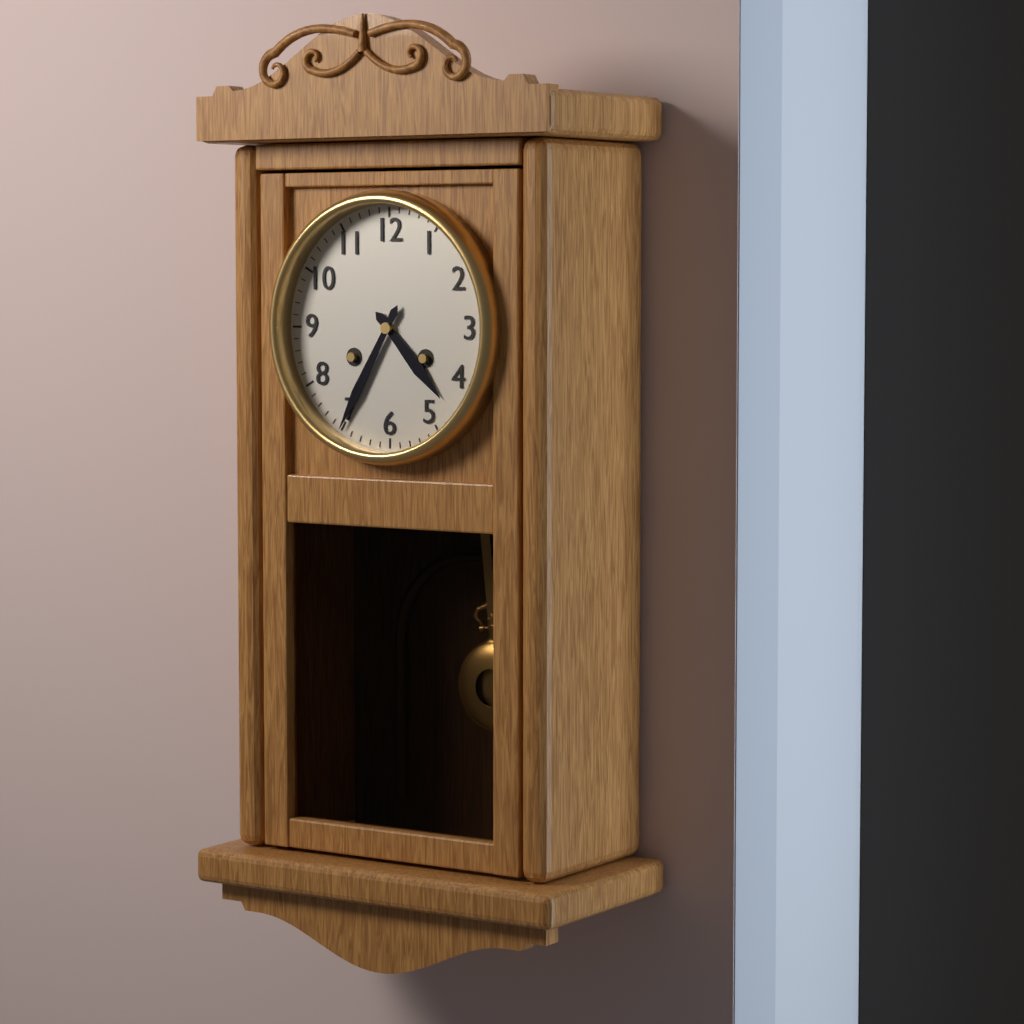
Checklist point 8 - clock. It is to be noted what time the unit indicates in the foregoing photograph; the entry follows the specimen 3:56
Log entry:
4:35
